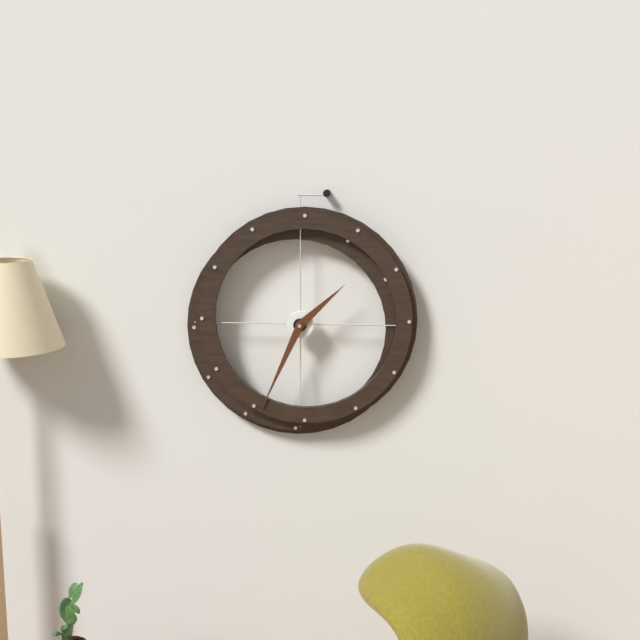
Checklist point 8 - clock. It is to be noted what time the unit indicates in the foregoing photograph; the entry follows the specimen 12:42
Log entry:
1:34
